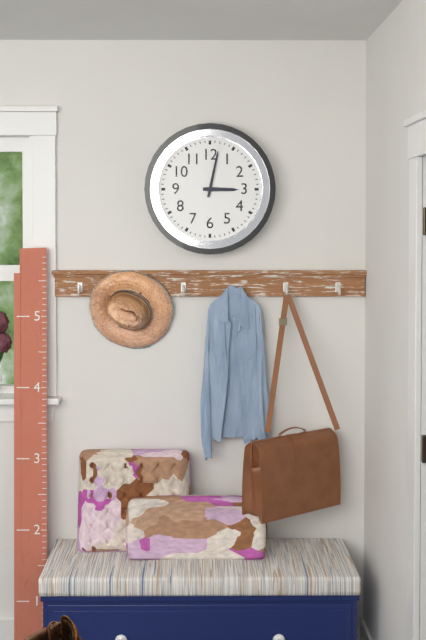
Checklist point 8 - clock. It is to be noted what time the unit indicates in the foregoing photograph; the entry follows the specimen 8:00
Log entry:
3:02
